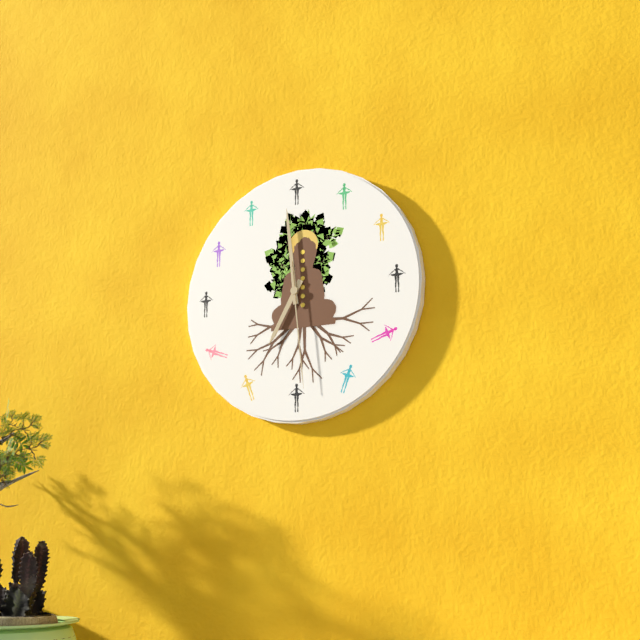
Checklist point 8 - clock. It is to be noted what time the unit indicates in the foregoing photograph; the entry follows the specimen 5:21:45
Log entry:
6:59:29
